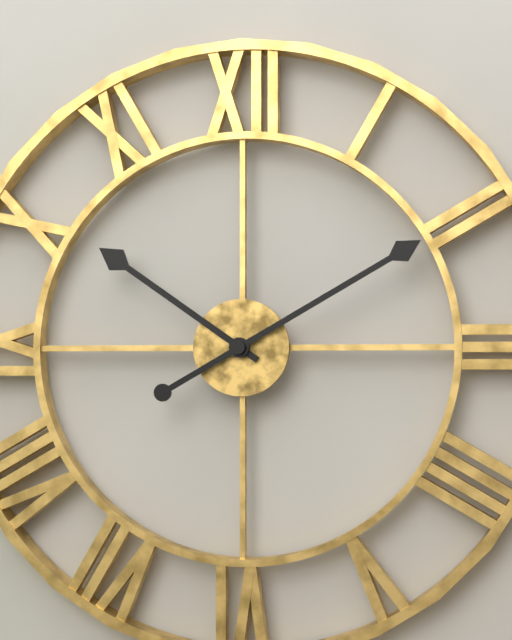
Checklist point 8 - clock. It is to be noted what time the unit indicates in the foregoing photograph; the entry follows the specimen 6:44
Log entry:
10:10
